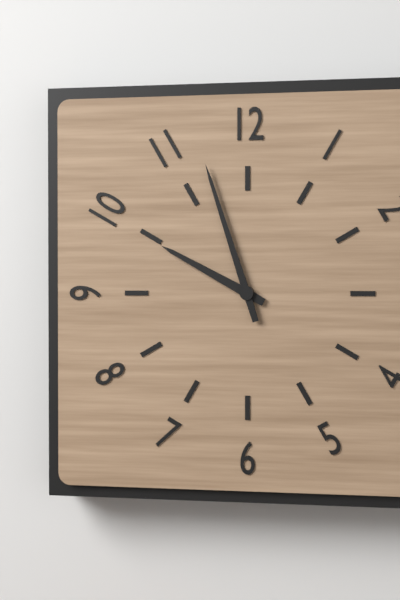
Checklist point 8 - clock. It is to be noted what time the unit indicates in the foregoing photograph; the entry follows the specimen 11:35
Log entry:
9:57
